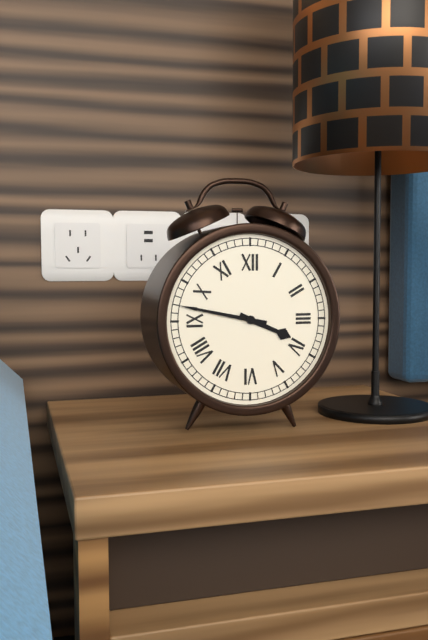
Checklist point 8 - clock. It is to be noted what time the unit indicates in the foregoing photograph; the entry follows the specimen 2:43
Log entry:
3:47
